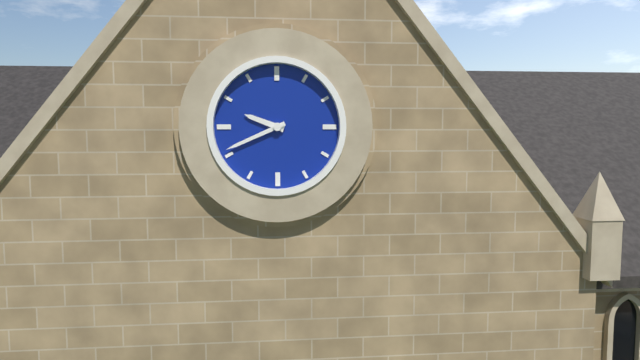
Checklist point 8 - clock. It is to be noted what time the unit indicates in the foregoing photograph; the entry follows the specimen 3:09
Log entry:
9:41
